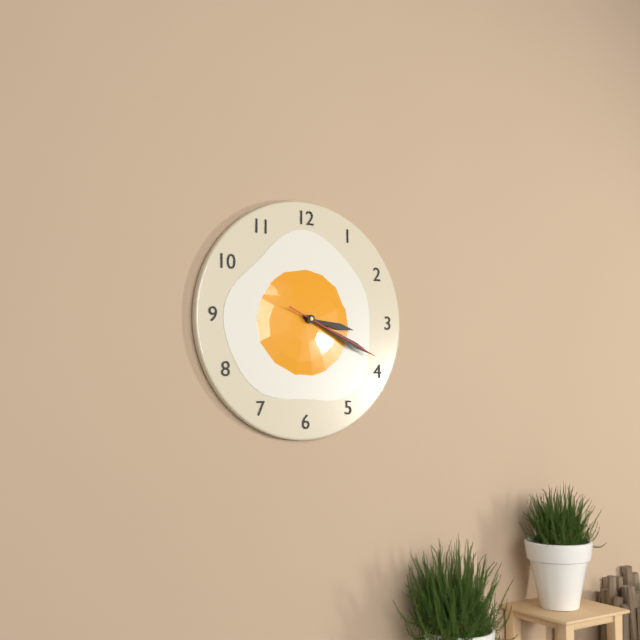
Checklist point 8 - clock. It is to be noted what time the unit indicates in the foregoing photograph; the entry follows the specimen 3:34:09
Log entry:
3:19:19
